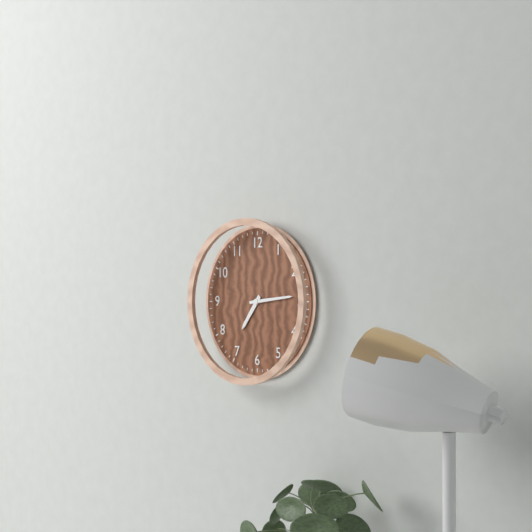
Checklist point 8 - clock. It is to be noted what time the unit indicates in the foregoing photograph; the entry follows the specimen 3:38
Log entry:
7:14
